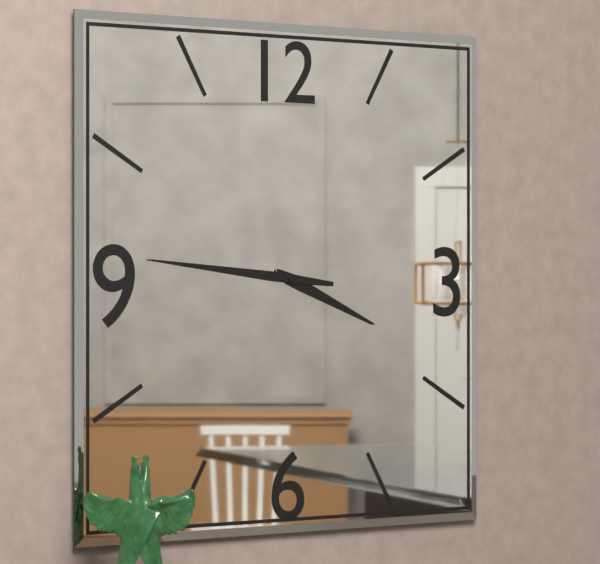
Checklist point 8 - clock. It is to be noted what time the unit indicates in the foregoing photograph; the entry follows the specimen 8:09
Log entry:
3:46
